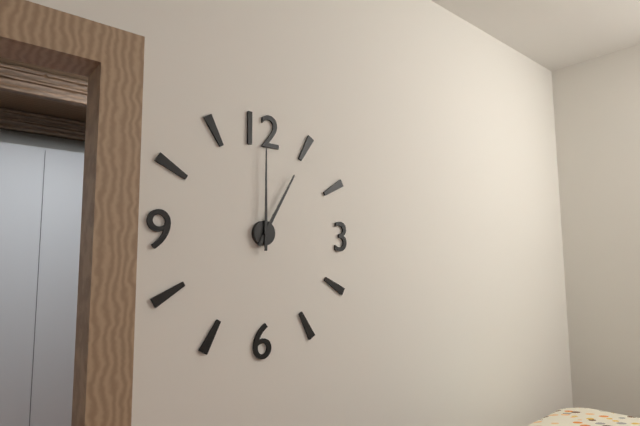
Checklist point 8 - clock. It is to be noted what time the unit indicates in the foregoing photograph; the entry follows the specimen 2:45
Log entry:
1:00
